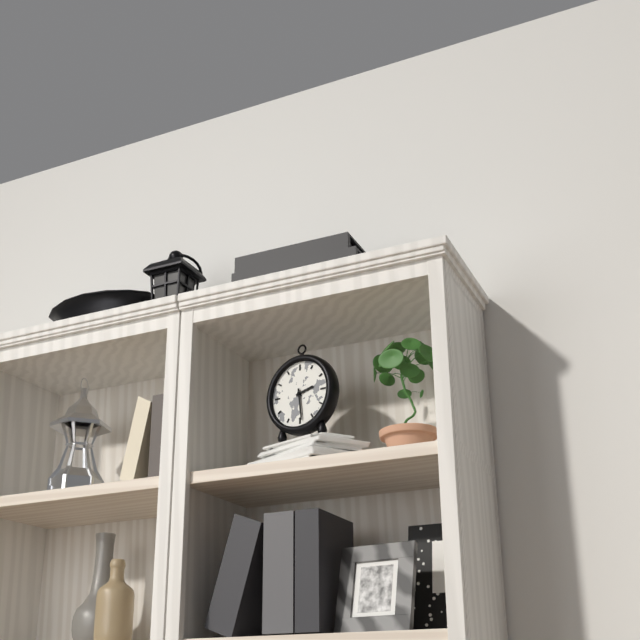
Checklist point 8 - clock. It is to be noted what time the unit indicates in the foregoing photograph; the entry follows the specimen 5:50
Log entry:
2:29
